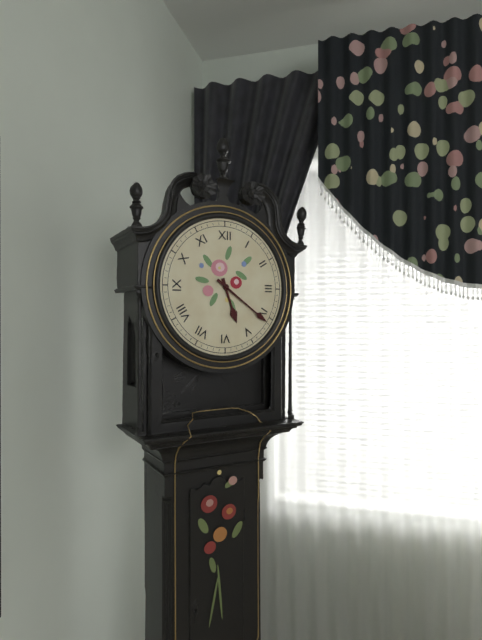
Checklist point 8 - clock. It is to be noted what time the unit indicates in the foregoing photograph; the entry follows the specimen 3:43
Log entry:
5:21
